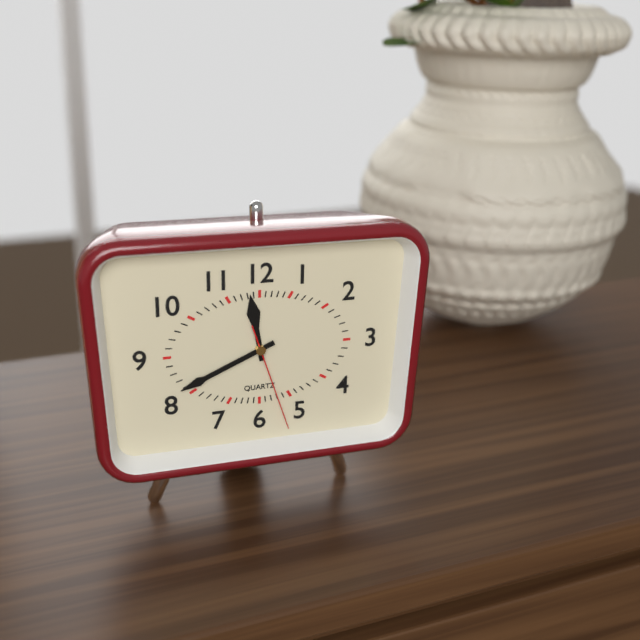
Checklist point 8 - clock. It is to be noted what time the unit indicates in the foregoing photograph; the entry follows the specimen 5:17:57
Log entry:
11:41:27
